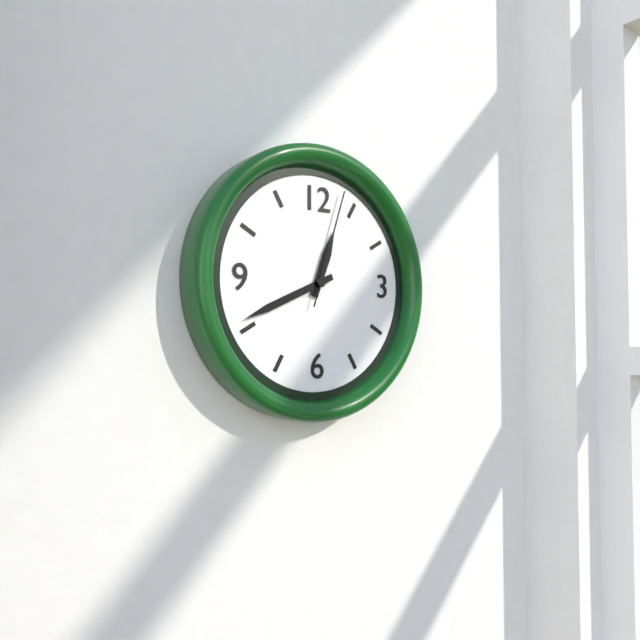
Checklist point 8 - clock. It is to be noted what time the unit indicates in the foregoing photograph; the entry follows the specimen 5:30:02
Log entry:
12:41:03
